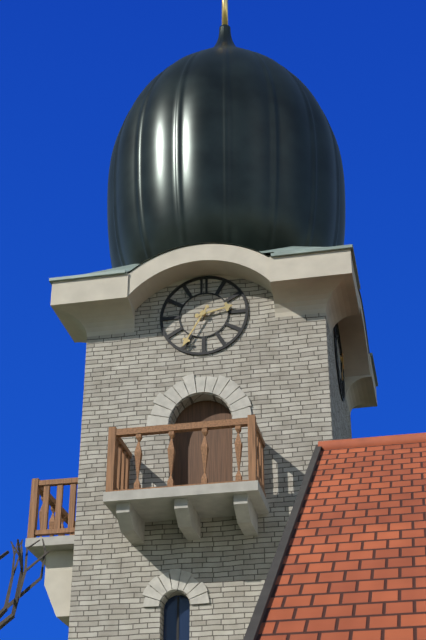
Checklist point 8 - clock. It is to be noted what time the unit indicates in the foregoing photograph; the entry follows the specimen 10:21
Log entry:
2:35
